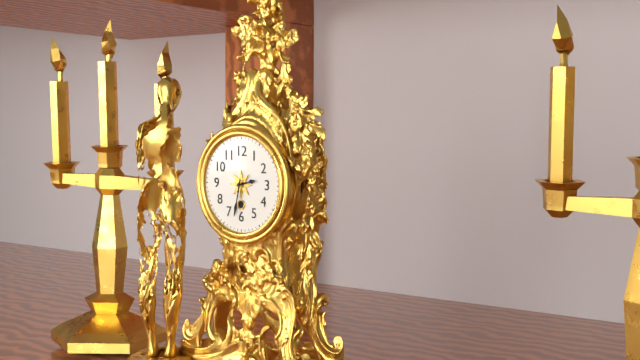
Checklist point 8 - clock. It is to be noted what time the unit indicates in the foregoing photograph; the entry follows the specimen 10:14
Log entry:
2:32
